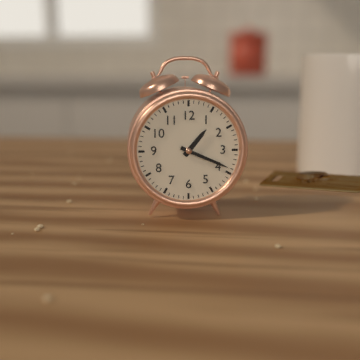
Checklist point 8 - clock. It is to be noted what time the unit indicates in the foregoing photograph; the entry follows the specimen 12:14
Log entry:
1:19
